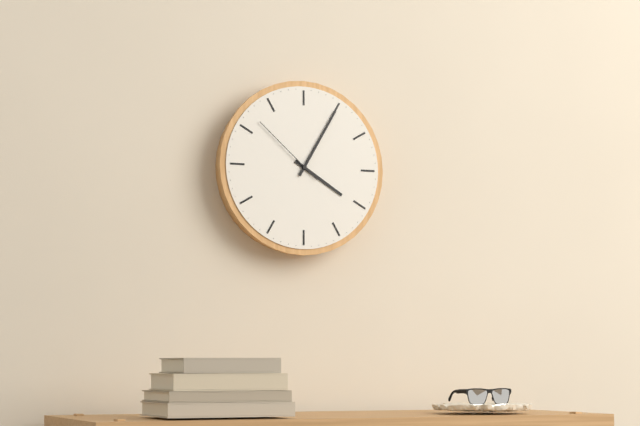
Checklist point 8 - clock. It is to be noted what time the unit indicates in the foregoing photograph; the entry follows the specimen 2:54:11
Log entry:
4:05:52
